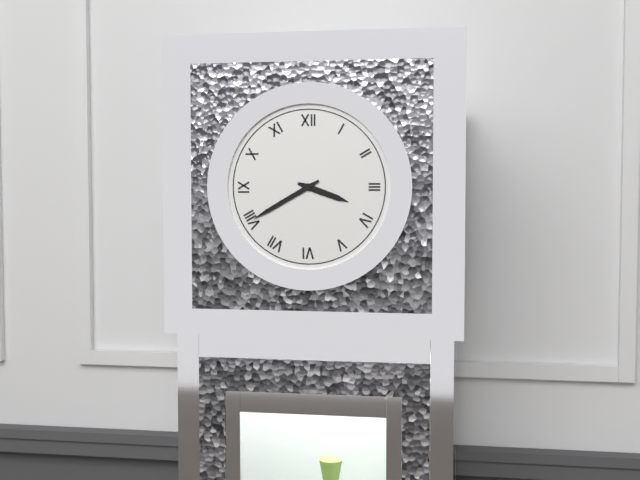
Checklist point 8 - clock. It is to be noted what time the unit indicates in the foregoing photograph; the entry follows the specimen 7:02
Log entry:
3:40
